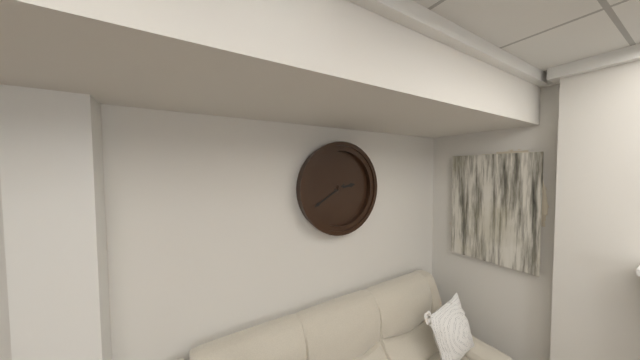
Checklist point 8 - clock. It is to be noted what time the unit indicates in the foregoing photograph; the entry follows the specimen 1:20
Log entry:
2:40
